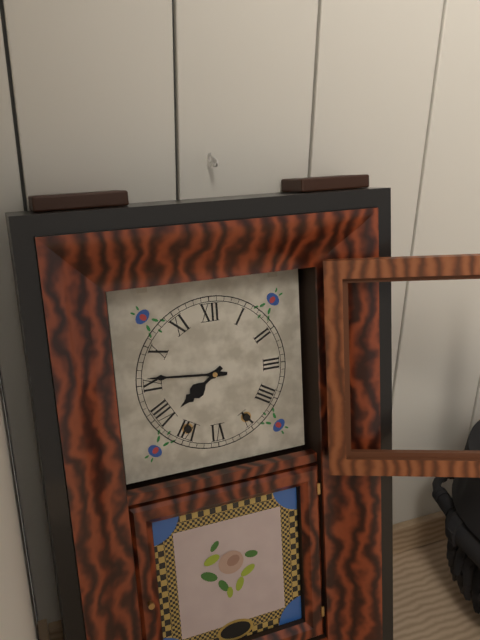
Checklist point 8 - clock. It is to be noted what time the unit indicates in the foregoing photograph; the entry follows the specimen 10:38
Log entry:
7:46
